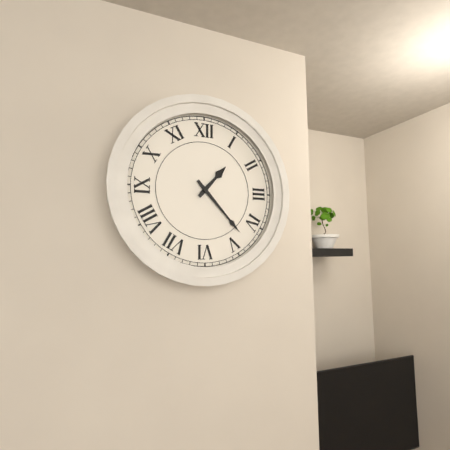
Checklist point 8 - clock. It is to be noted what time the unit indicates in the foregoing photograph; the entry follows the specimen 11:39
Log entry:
1:23
